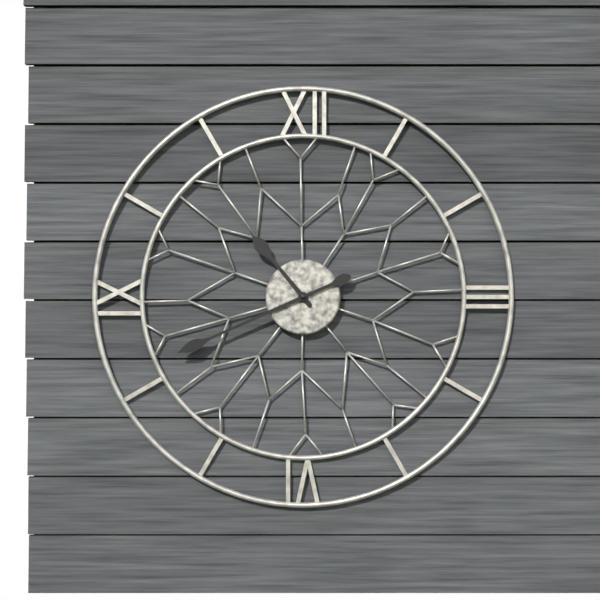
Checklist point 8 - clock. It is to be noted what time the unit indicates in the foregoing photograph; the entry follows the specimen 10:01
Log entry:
10:41
